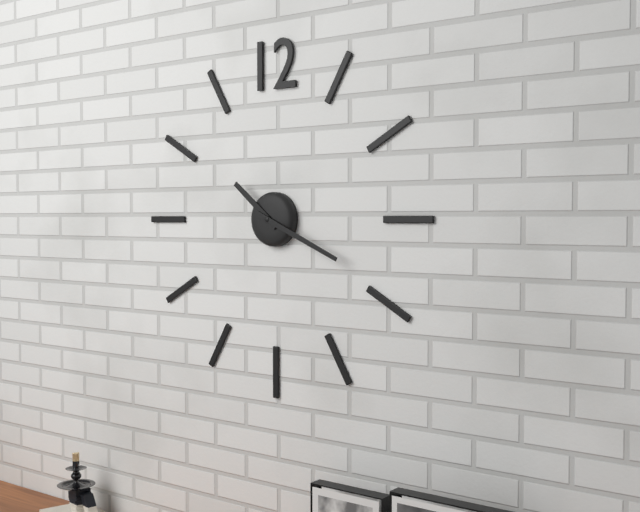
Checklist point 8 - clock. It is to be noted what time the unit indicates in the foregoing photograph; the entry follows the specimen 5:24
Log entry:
10:19
